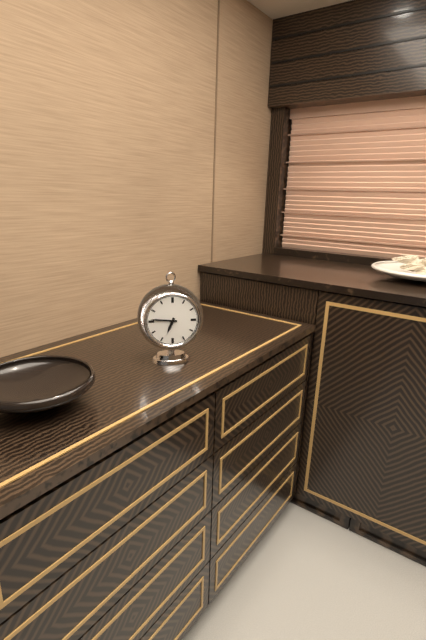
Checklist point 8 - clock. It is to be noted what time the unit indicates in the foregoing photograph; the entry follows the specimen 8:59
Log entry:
6:46
